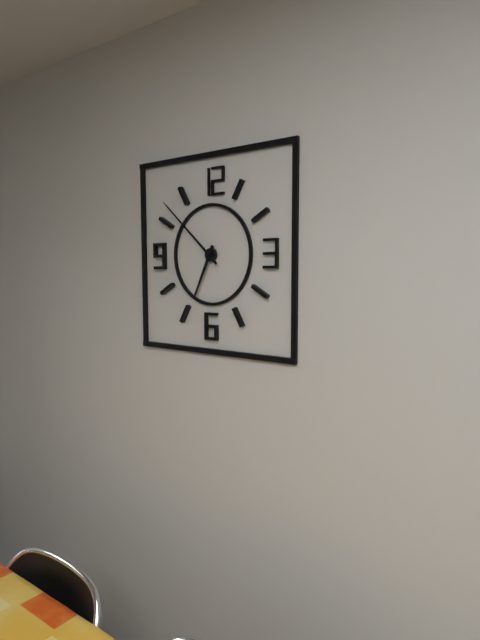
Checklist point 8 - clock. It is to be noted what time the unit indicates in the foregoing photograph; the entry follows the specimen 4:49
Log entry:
6:52
